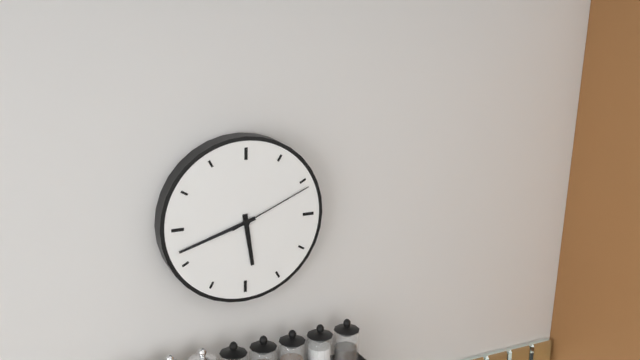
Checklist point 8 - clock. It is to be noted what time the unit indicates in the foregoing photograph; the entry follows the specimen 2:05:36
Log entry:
5:42:11
